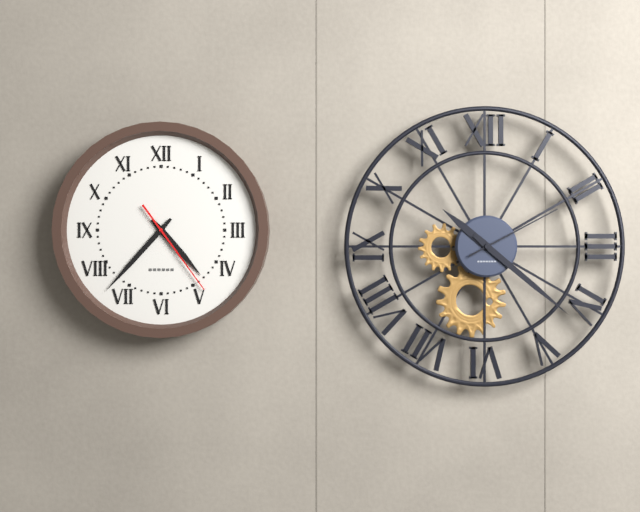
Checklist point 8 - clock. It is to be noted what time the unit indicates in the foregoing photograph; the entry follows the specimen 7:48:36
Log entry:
4:37:24
